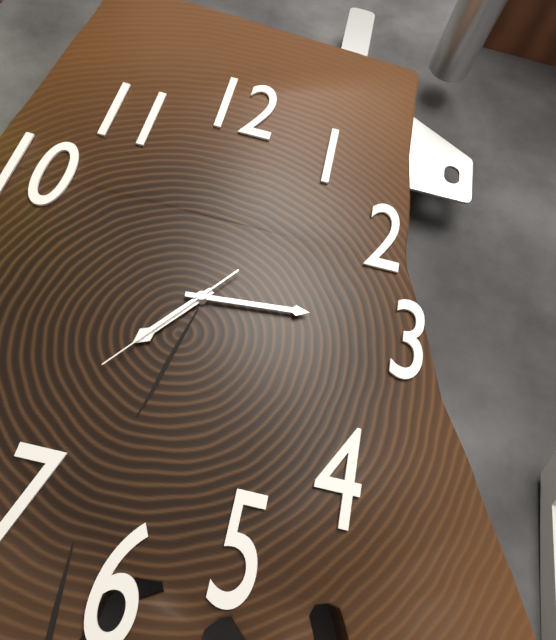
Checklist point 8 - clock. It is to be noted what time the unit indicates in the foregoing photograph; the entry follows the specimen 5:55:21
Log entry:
7:14:36
